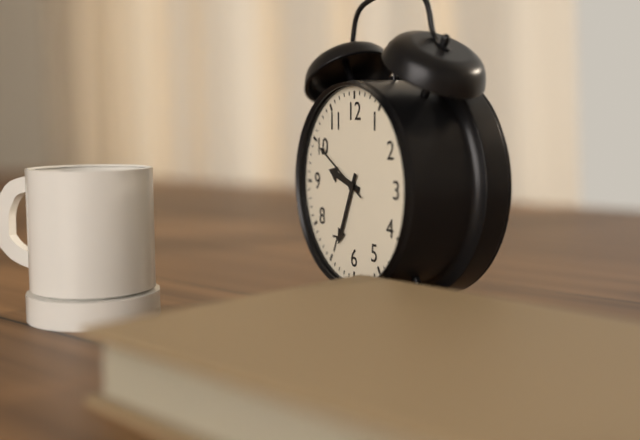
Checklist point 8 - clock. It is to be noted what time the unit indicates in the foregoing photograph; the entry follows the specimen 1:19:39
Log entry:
9:34:50
